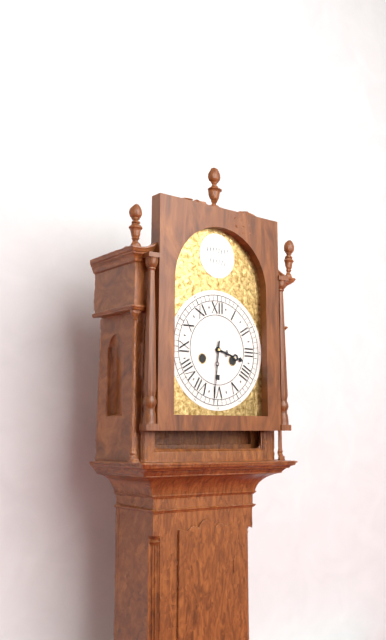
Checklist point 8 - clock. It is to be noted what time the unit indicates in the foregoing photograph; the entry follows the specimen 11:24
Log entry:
3:31
